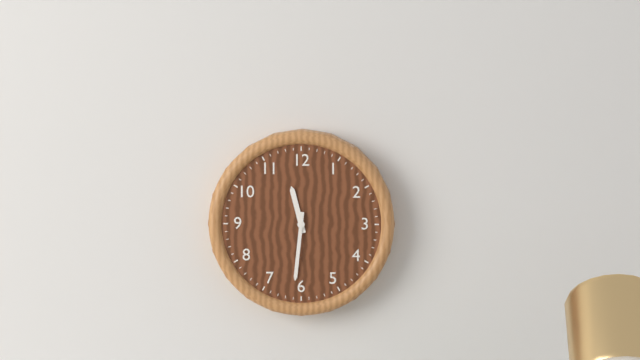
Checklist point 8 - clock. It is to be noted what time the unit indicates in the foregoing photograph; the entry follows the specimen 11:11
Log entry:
11:31
